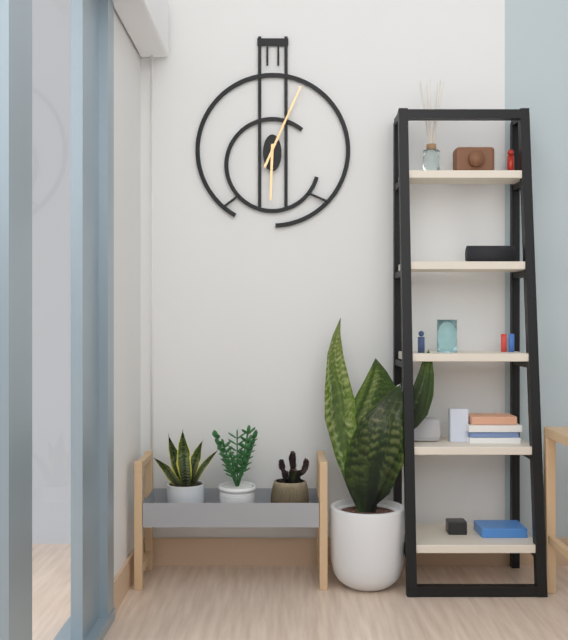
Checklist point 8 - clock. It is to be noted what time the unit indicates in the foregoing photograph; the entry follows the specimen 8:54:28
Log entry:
6:04:04
